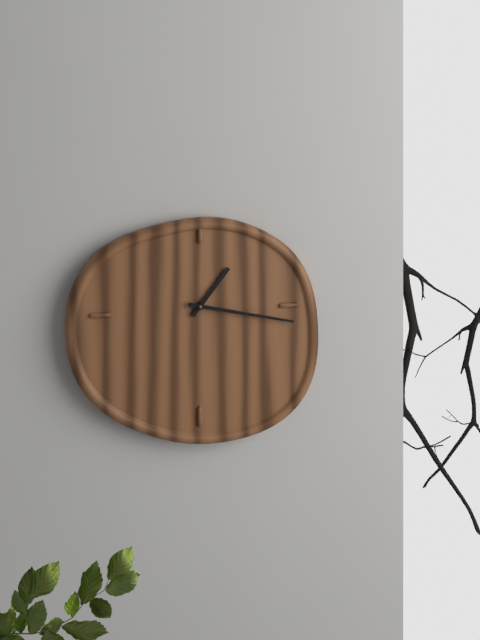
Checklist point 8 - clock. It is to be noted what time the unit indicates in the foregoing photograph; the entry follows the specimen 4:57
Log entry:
1:17
